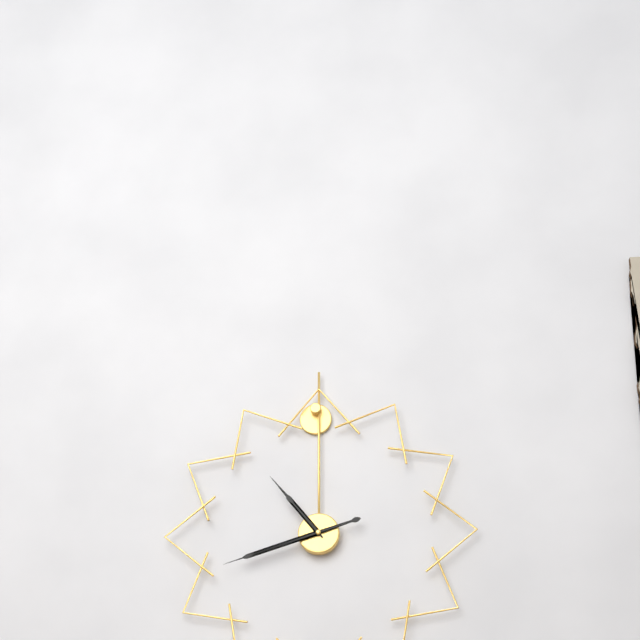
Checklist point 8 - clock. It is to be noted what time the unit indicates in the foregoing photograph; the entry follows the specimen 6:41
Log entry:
10:42
